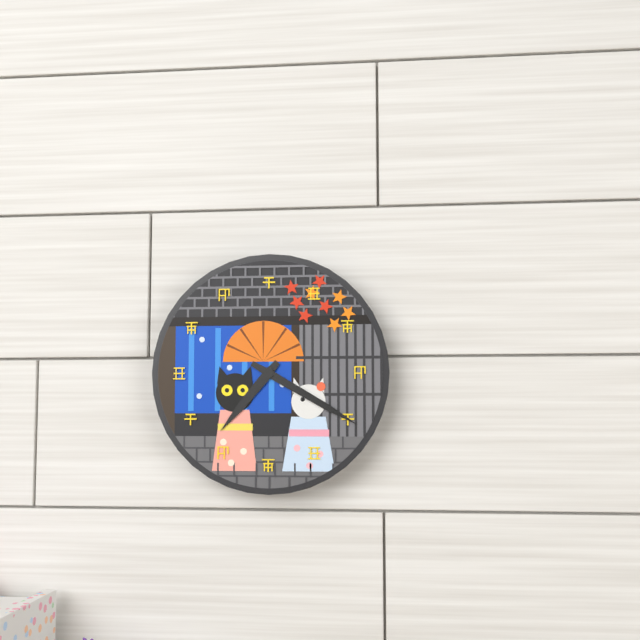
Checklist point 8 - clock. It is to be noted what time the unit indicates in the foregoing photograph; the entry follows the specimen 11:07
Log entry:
7:20
